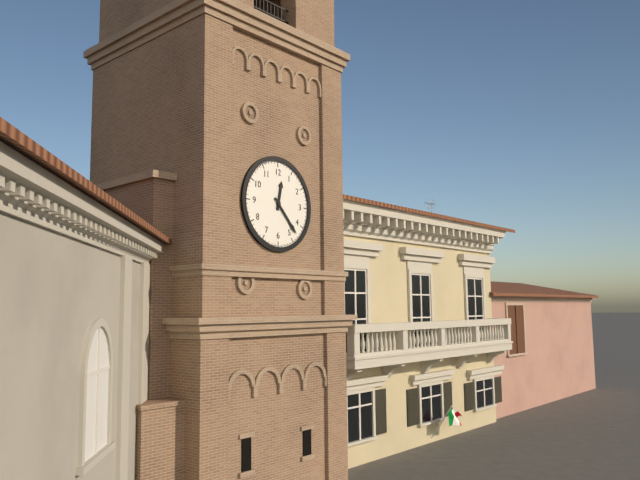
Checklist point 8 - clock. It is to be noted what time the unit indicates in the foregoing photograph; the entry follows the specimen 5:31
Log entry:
12:23
